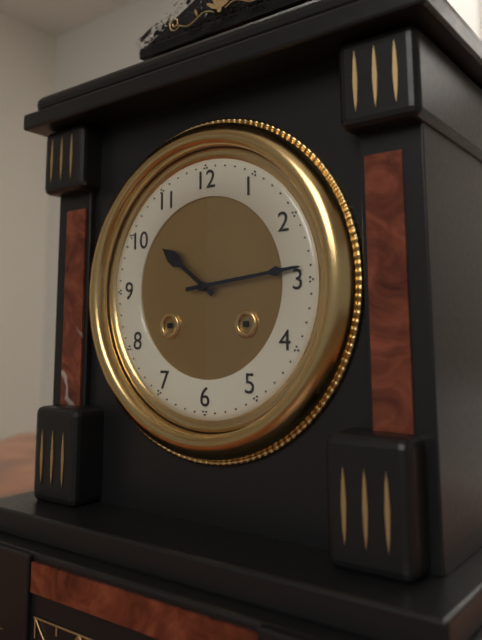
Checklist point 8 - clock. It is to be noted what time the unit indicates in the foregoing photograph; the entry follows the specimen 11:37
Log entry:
10:14
